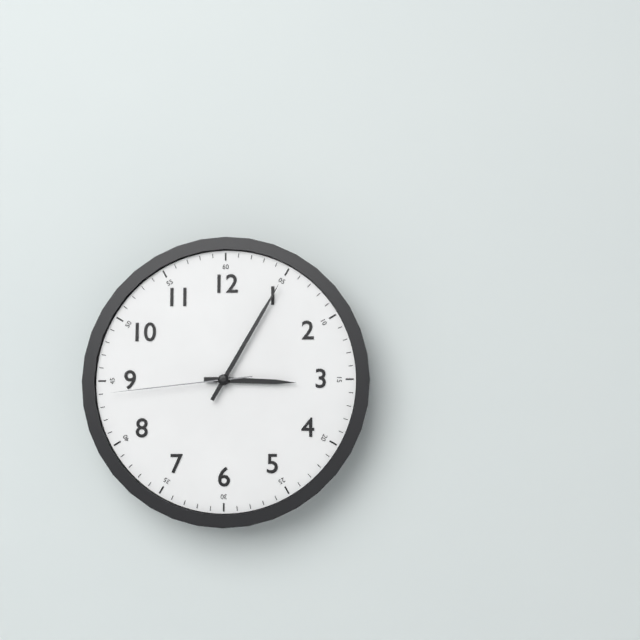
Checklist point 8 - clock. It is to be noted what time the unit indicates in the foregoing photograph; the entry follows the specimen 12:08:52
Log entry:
3:05:44
